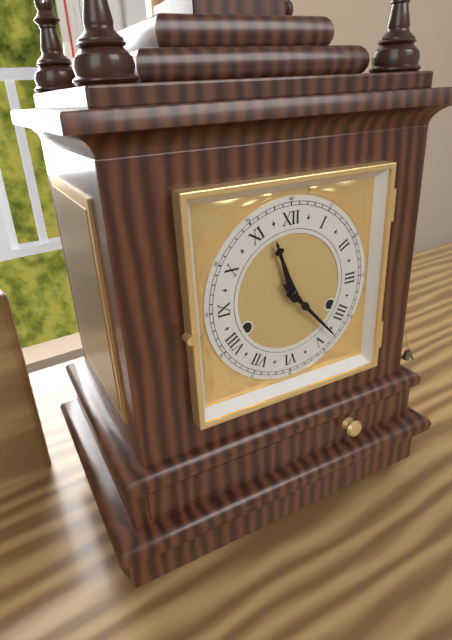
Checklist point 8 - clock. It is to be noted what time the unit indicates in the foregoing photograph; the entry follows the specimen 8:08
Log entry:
11:23
